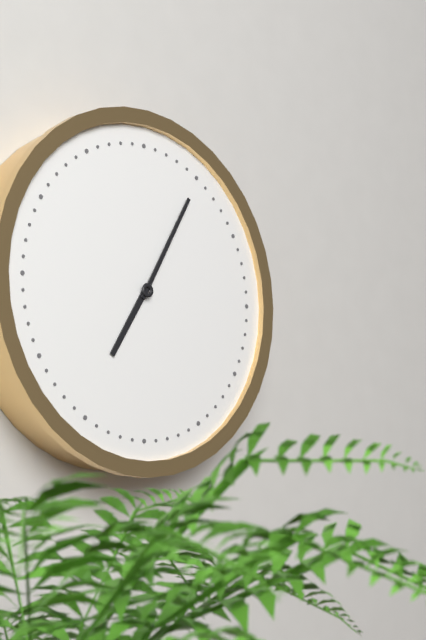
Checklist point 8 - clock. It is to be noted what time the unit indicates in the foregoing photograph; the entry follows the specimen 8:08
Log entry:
7:05
